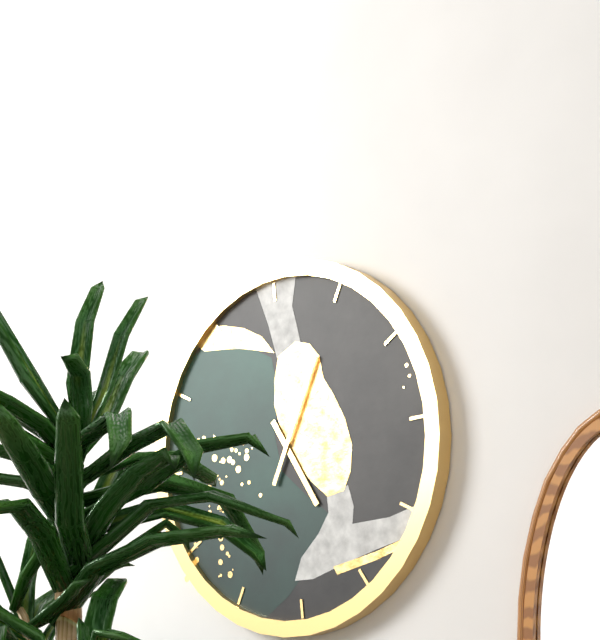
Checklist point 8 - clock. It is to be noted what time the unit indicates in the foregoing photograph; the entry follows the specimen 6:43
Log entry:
5:05
